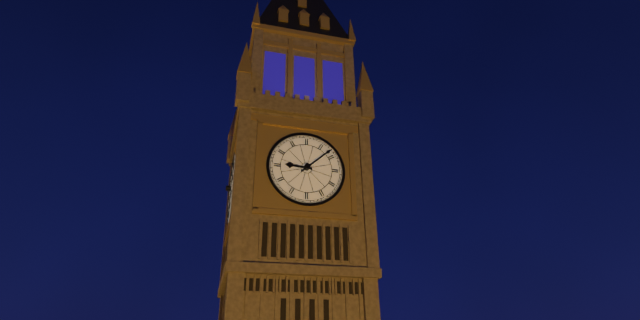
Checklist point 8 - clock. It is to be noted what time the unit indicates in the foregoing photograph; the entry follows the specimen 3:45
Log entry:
9:08
